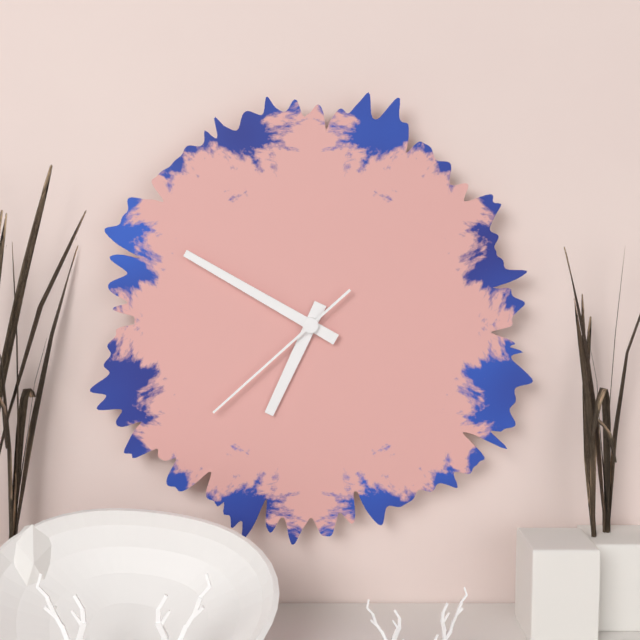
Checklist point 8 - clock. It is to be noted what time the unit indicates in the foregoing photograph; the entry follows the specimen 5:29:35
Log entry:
6:50:38
